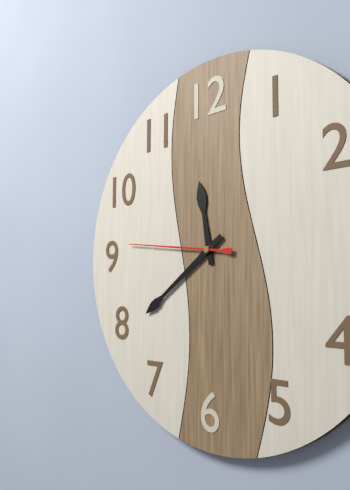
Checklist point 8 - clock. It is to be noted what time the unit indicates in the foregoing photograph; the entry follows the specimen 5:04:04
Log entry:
11:39:46
